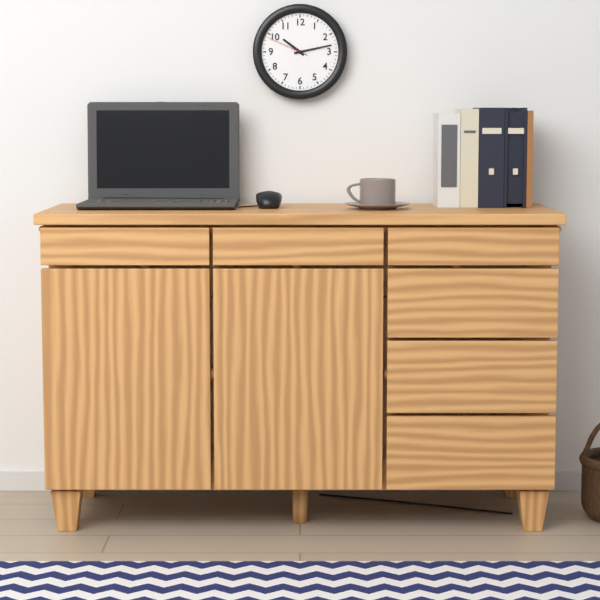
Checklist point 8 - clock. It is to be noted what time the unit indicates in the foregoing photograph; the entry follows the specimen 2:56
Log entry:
10:13
